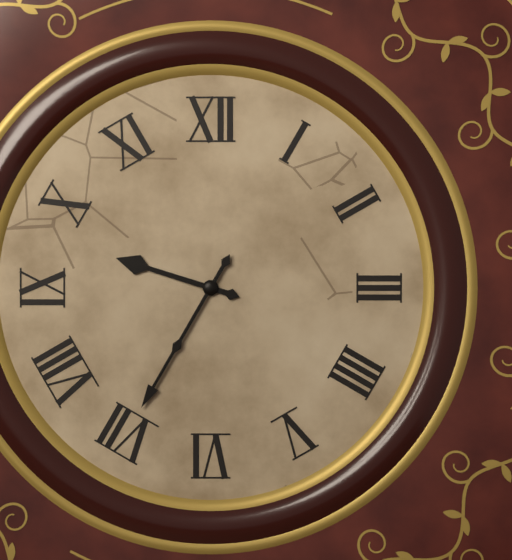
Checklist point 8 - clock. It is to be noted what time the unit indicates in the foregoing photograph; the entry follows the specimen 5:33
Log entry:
9:35
